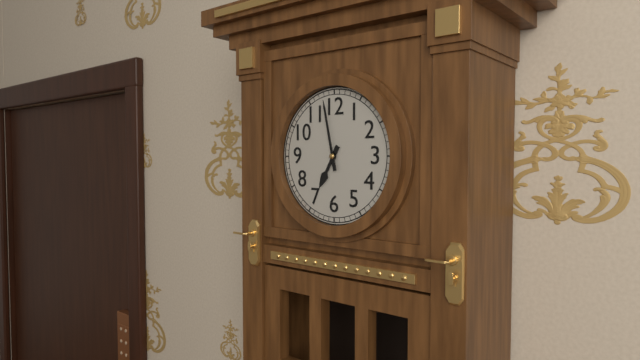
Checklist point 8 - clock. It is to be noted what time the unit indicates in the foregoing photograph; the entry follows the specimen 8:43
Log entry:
6:58
